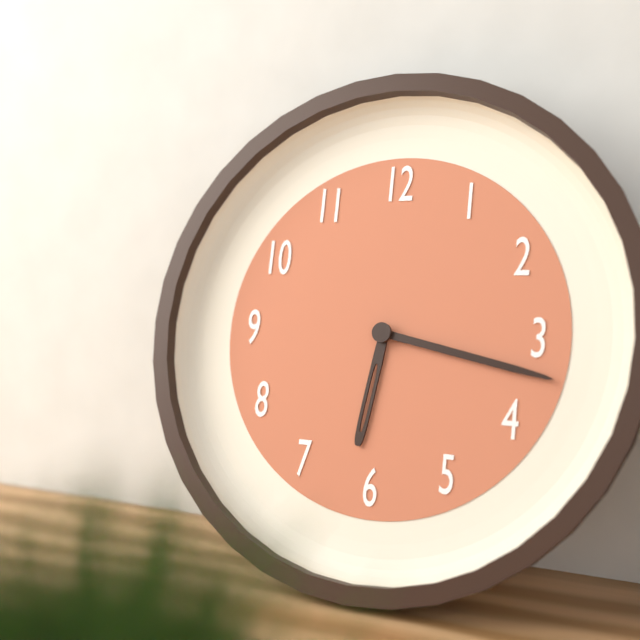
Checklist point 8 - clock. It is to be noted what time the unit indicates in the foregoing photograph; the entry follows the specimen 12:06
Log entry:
6:17
